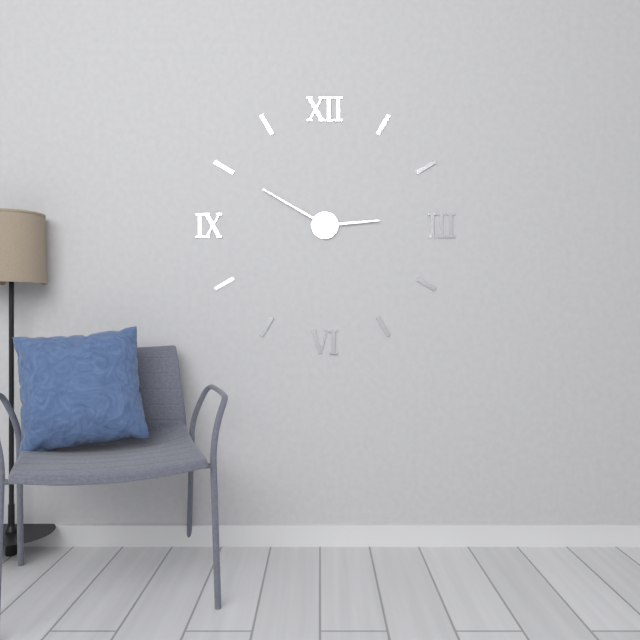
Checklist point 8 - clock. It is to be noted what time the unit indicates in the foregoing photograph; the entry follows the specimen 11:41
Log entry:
2:50
